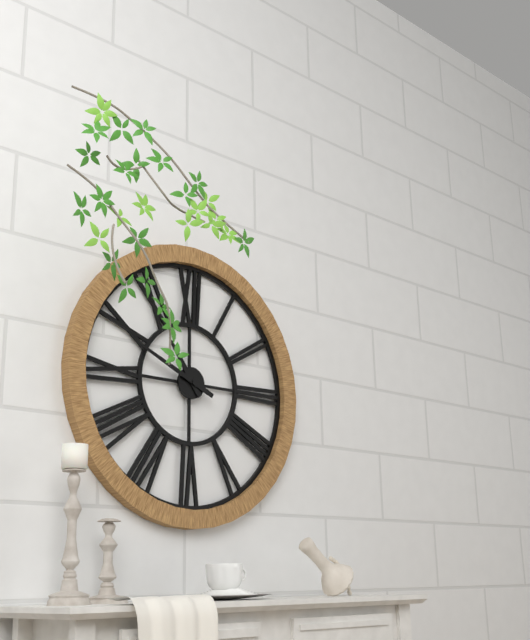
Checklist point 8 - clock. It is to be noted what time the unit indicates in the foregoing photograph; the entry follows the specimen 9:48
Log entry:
10:49
